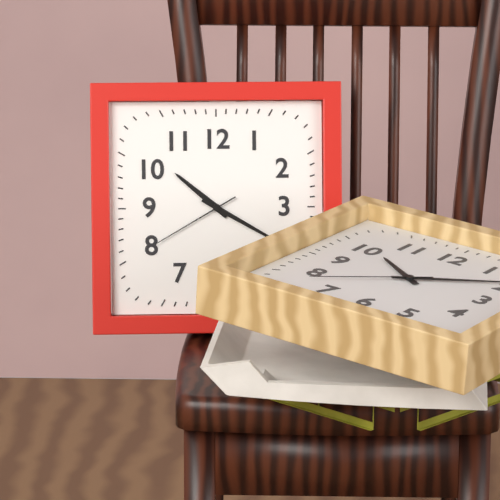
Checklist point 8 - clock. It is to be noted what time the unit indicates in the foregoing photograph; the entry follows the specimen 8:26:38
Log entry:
10:20:40
